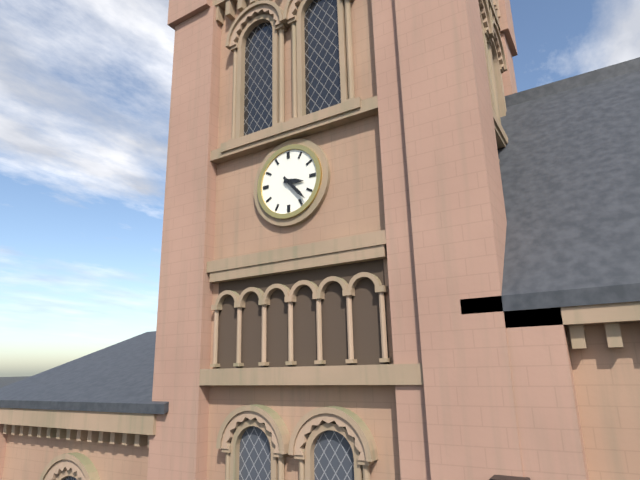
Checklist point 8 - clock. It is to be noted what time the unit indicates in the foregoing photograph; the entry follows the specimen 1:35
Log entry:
3:23
